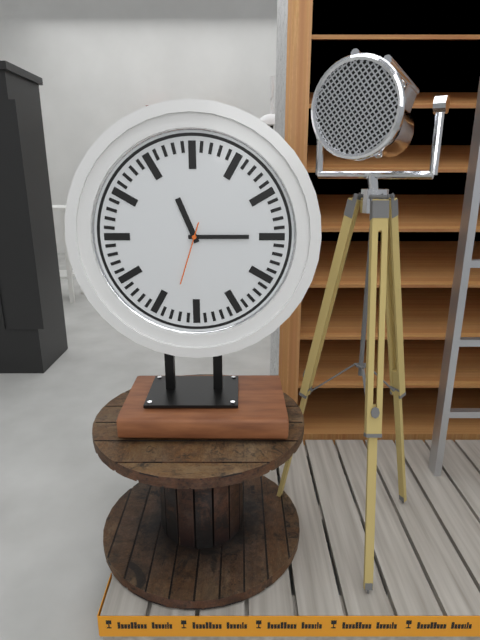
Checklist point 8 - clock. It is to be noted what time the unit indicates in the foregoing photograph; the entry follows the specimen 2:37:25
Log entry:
11:15:33
